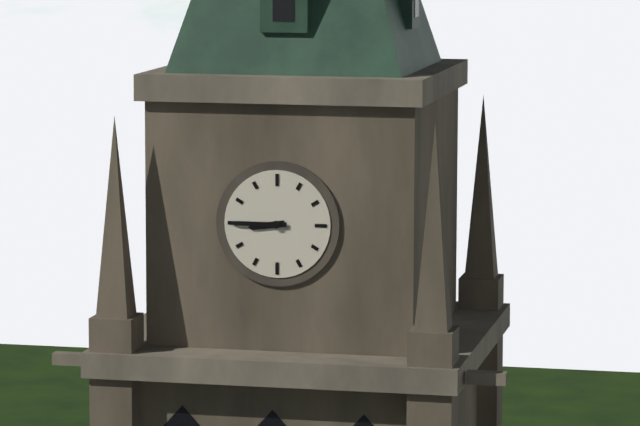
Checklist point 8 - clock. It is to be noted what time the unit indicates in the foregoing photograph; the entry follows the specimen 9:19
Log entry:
8:45
